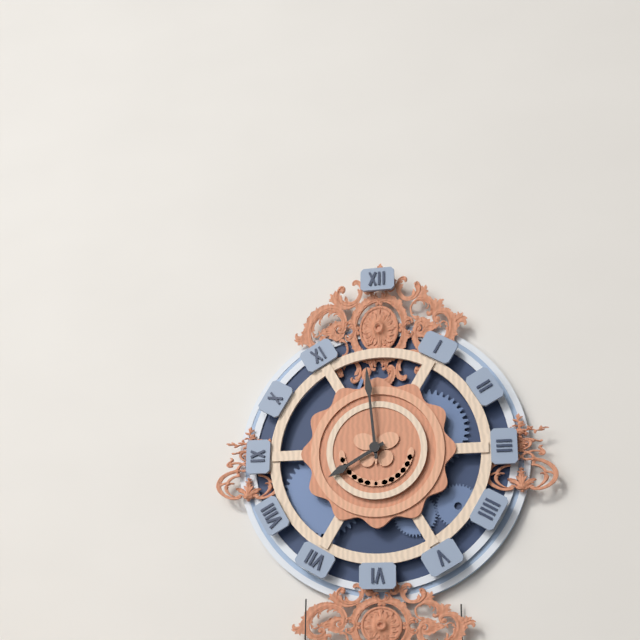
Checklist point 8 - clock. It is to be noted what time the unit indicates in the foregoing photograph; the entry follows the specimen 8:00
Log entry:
7:59
